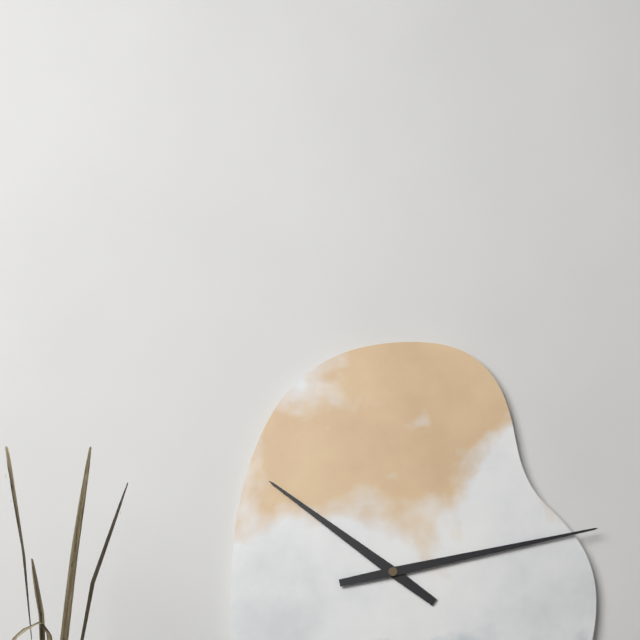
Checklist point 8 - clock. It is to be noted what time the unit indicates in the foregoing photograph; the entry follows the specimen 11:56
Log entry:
10:13
